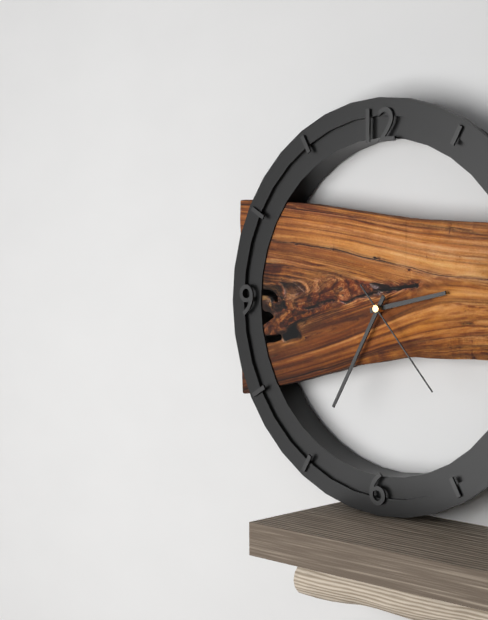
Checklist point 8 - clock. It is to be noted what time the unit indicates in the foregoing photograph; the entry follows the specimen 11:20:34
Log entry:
2:35:23
